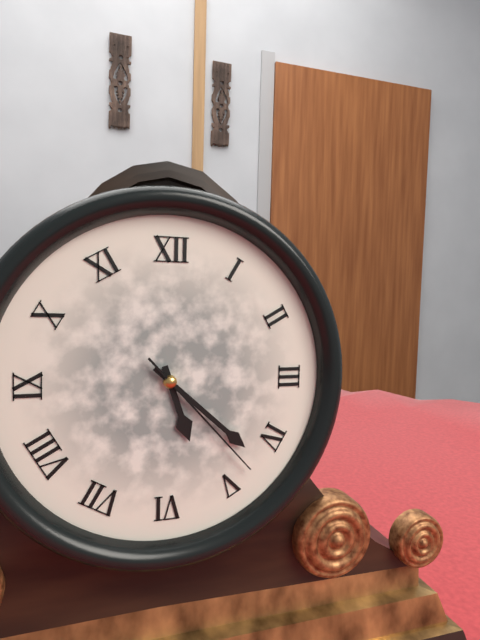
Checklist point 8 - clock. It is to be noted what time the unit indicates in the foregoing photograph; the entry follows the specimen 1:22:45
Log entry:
5:22:23
